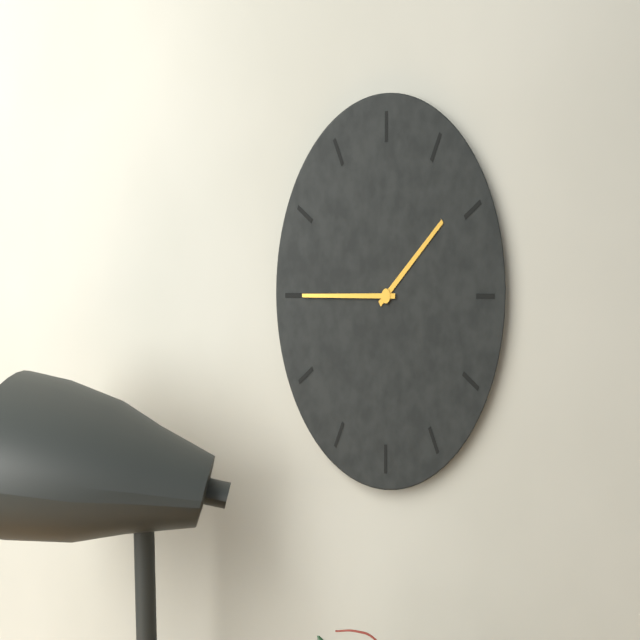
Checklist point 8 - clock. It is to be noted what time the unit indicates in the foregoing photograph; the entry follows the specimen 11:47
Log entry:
1:45
